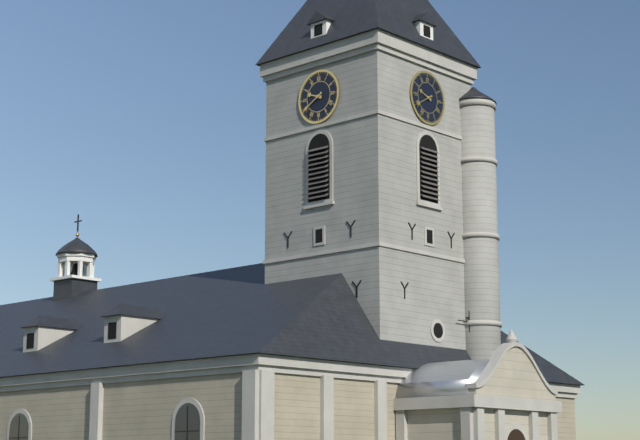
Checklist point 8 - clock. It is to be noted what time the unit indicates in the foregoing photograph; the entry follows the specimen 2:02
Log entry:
9:40
